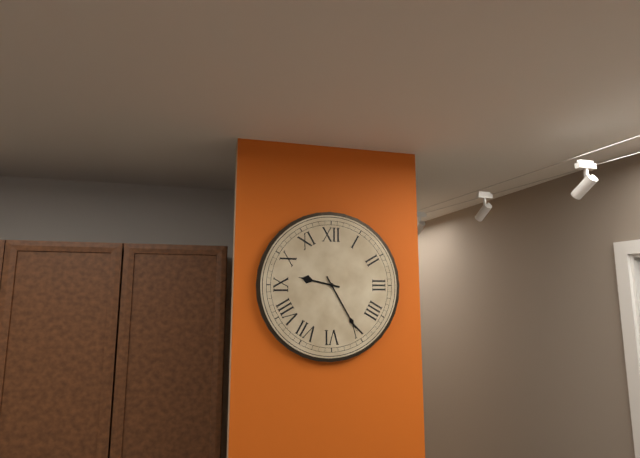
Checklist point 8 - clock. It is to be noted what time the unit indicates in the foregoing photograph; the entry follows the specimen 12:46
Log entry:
9:25
